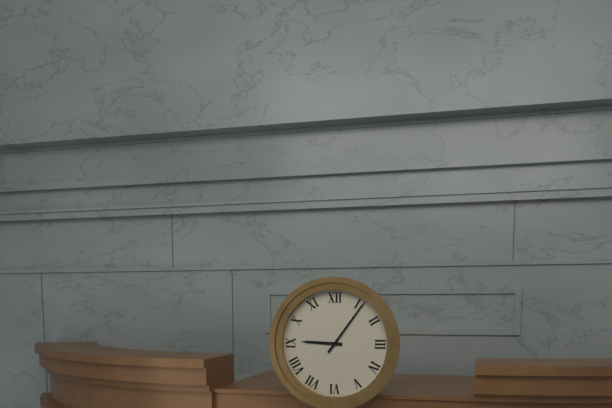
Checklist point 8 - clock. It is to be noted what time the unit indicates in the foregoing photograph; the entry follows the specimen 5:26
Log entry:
9:06
